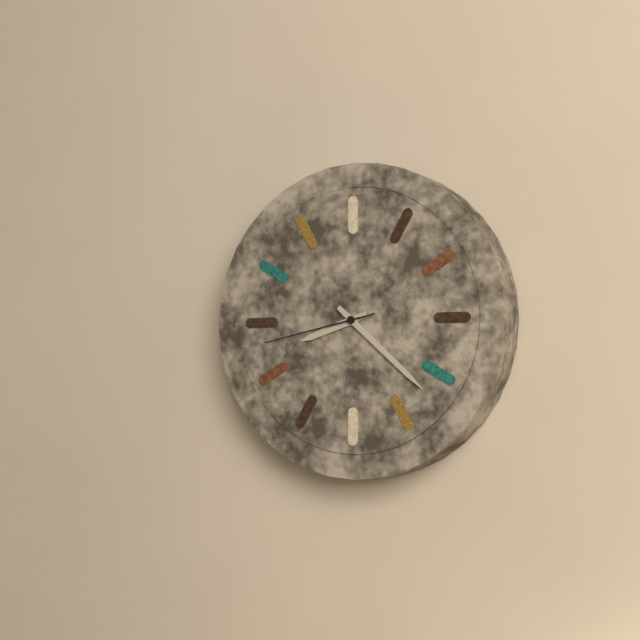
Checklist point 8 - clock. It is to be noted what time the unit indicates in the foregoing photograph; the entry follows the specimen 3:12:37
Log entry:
8:22:43
